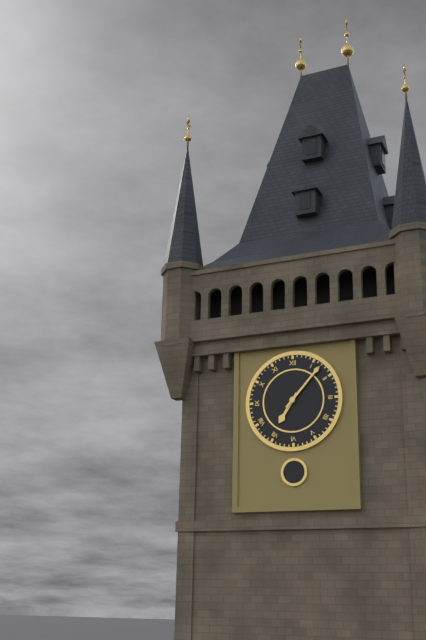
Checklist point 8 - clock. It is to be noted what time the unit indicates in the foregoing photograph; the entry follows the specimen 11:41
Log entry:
7:07
